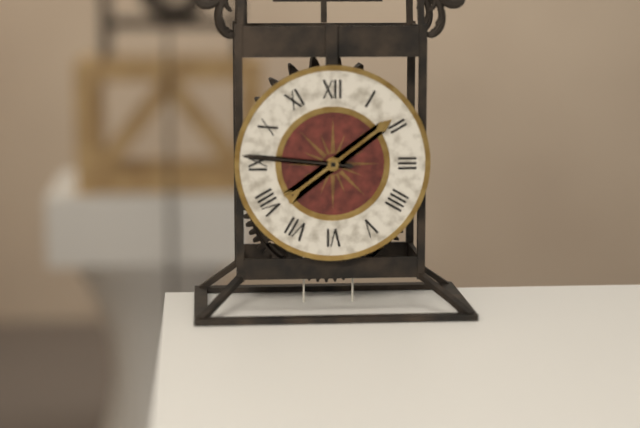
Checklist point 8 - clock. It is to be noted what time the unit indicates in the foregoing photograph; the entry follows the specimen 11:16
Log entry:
1:46
